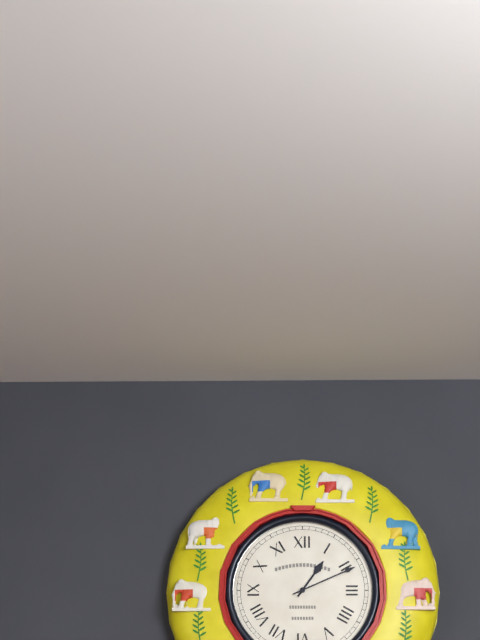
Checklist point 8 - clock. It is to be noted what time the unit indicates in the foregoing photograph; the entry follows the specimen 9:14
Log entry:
1:11
